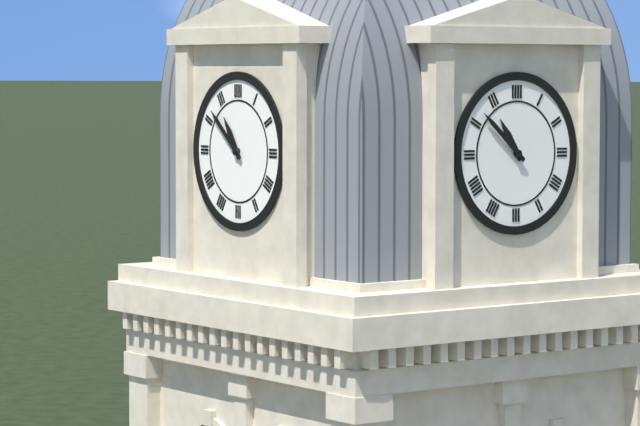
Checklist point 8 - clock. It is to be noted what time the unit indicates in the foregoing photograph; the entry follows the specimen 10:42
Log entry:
10:52
